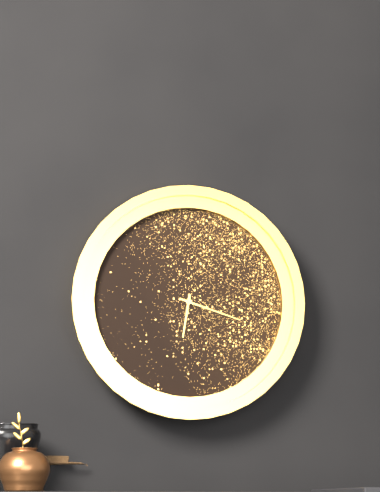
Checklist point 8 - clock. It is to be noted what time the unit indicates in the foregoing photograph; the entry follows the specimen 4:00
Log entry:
6:18
